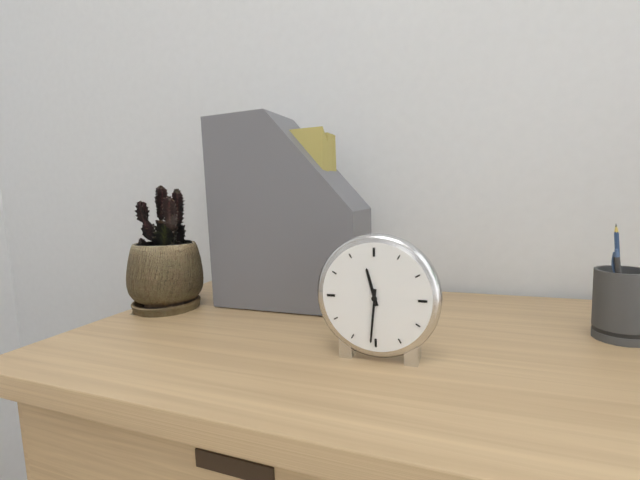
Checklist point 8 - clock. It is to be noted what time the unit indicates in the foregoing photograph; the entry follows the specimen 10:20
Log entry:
11:31
